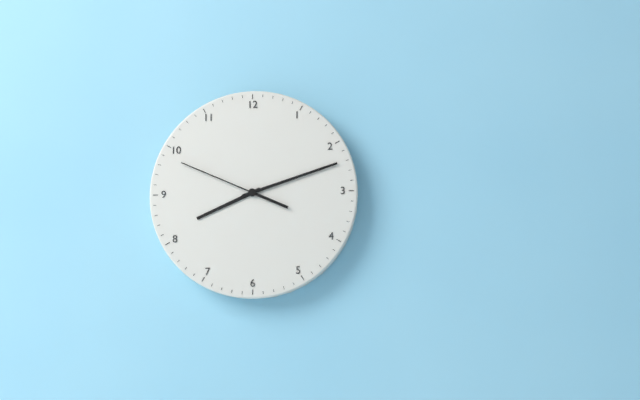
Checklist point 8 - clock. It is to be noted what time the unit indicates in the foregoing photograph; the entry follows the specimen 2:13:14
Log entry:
8:12:49
